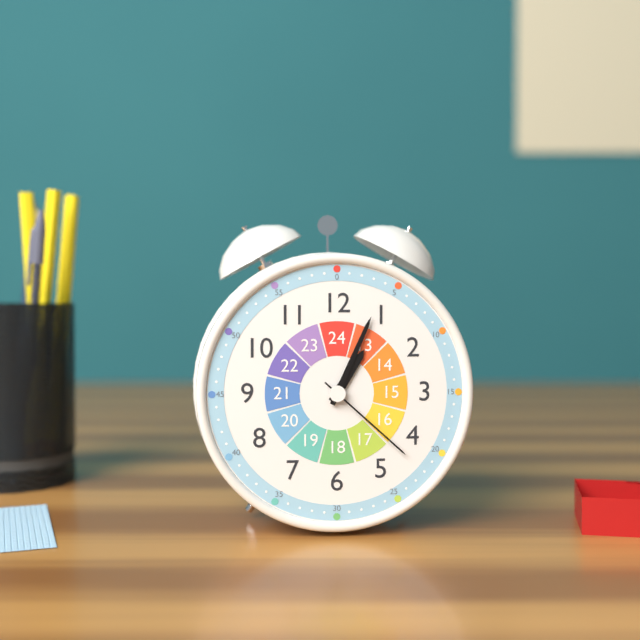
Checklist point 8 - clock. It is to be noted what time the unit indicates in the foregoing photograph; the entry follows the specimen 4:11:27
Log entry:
1:04:22
